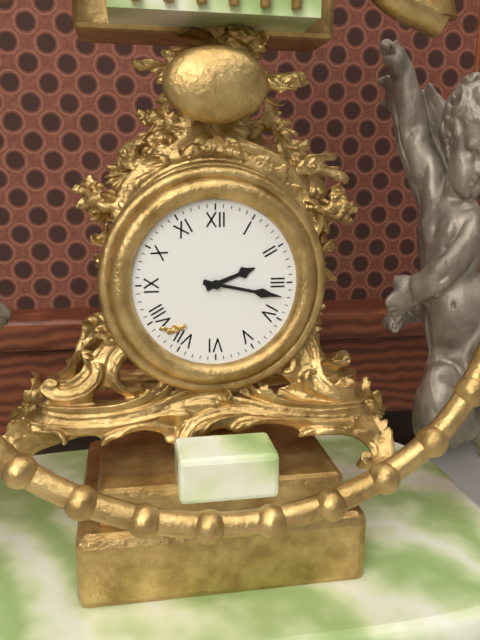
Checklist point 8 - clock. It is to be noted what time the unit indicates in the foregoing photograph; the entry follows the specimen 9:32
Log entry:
2:17
